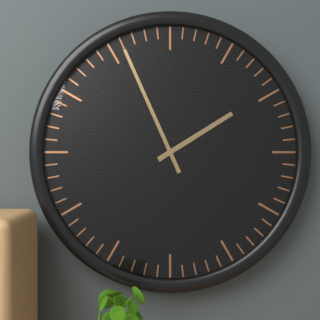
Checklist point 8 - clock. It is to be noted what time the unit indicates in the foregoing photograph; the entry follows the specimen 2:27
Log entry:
1:56
